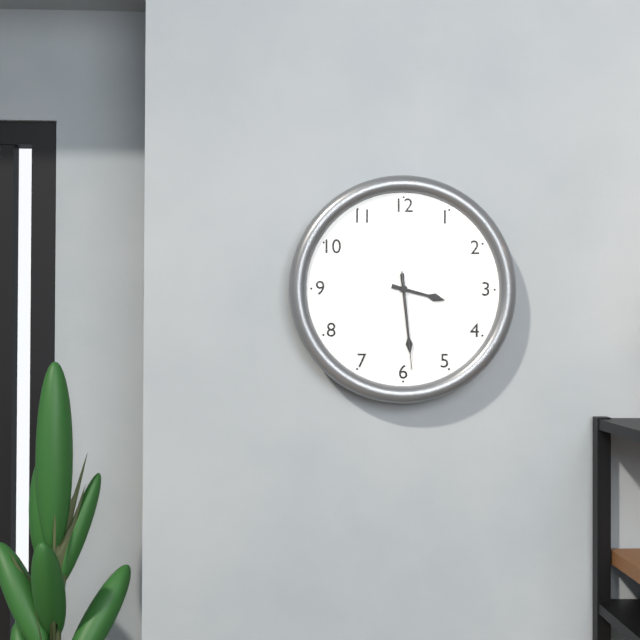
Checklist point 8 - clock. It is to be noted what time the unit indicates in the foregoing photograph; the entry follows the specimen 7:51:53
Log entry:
3:29:29
